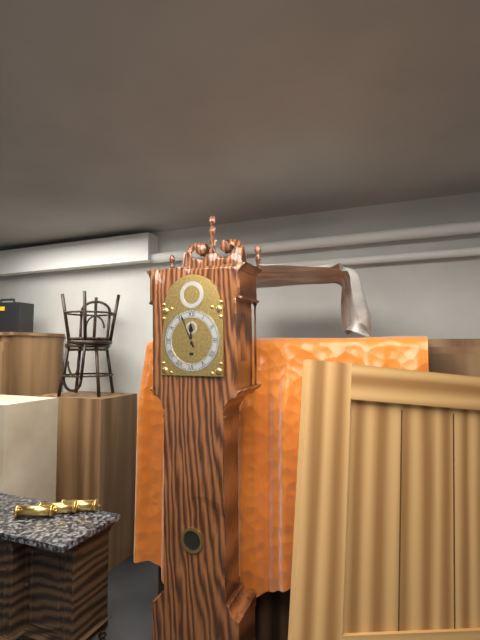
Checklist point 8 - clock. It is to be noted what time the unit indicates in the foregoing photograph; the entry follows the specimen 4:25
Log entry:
11:56
